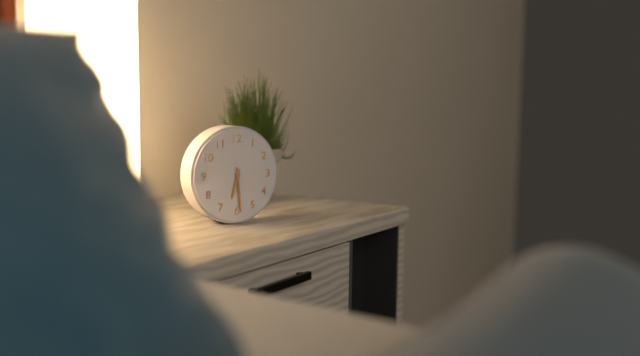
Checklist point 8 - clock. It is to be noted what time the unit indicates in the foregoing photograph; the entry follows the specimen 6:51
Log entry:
6:29
